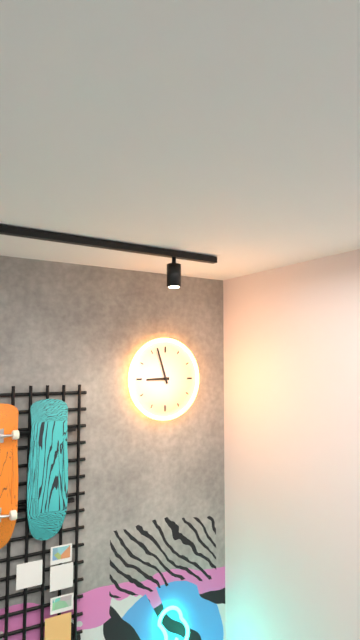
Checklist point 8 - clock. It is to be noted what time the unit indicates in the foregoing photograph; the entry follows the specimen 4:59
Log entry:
8:57
